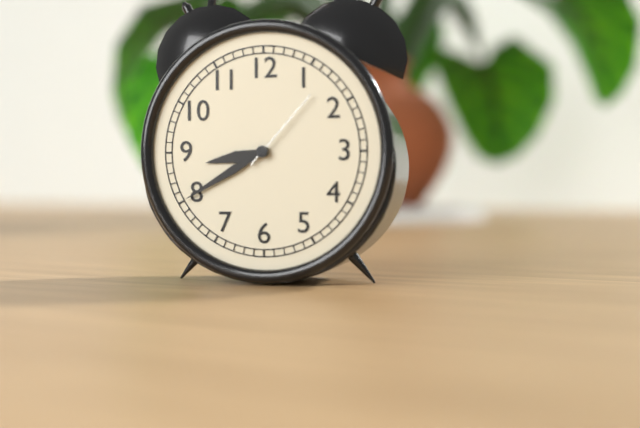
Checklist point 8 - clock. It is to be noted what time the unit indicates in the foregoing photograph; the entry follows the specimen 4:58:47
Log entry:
8:40:07
